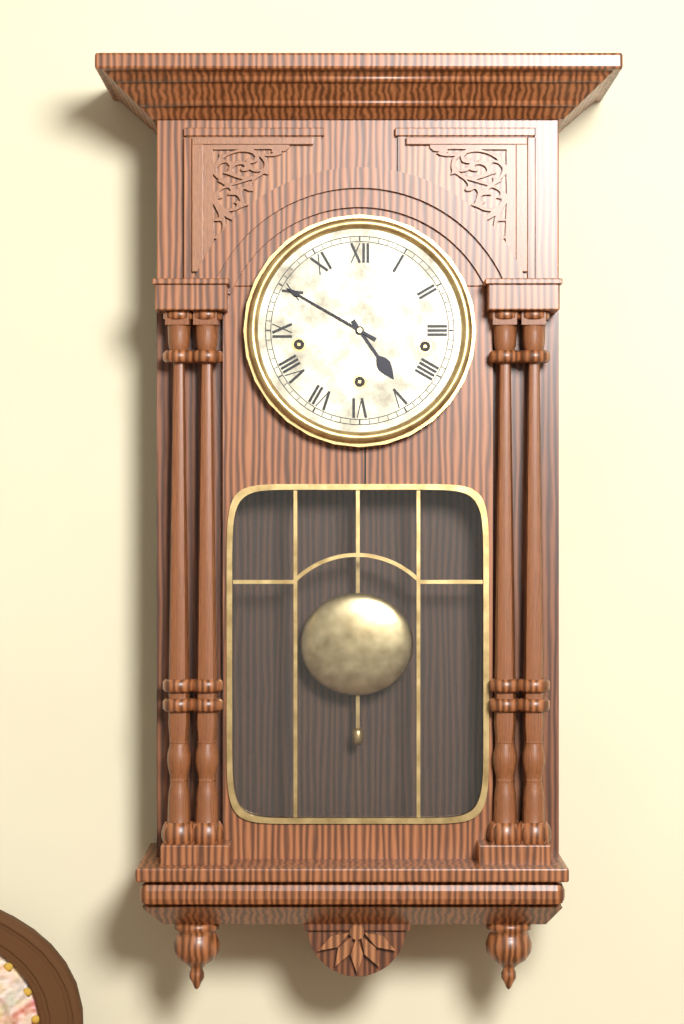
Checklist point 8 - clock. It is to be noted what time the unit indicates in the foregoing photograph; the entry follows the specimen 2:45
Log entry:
4:50
